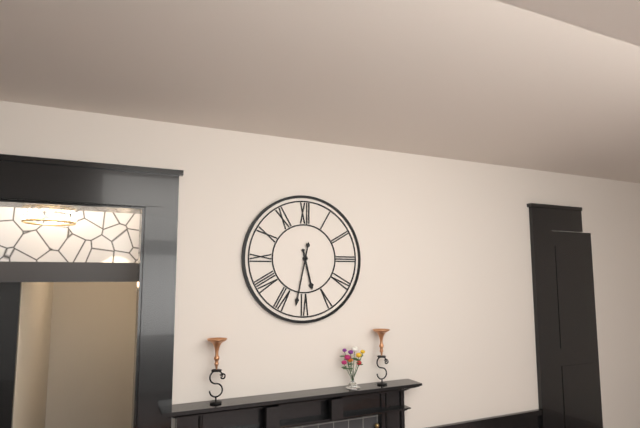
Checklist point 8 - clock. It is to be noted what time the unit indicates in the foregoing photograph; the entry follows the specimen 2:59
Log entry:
5:32
